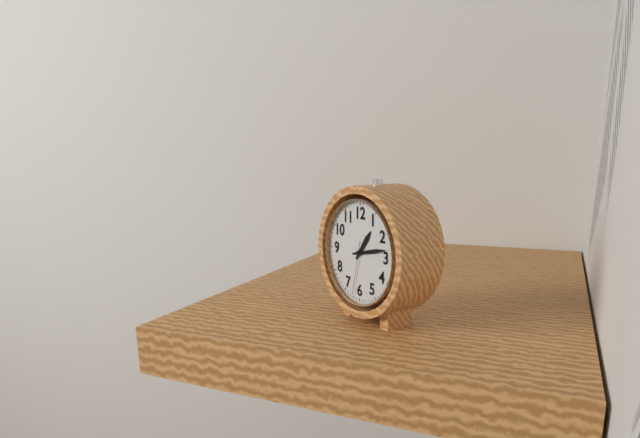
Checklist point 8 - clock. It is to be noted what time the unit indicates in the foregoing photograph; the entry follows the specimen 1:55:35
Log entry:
1:13:32
